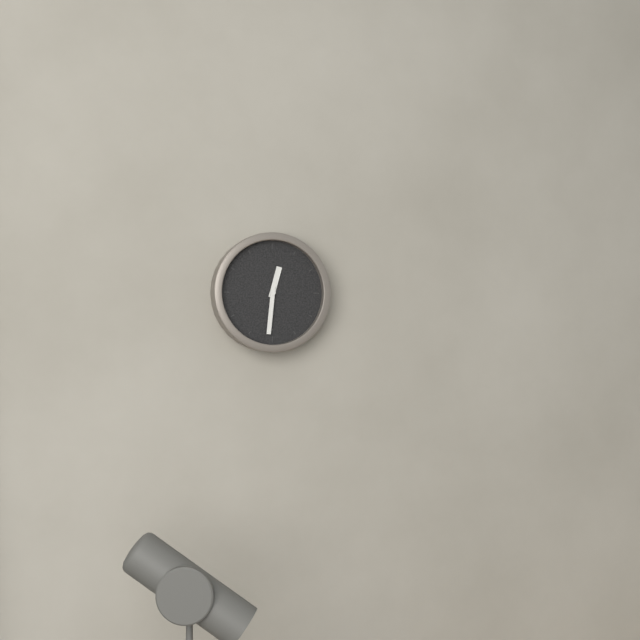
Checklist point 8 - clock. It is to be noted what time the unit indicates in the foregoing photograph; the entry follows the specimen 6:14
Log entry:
12:31
